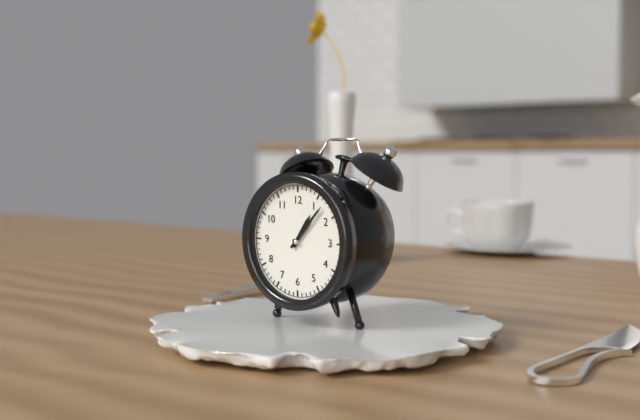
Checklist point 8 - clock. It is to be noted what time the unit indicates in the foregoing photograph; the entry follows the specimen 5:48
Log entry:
1:07
